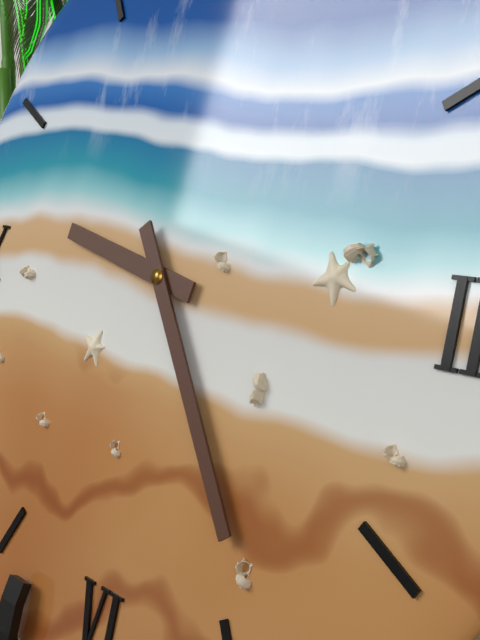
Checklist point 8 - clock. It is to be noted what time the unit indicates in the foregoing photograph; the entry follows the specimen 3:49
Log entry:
9:24
